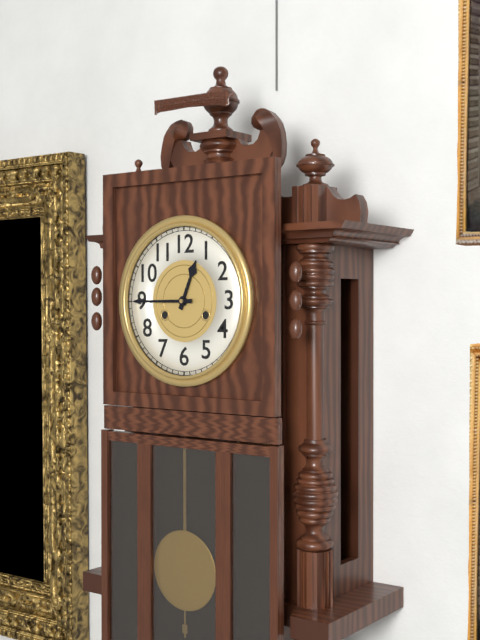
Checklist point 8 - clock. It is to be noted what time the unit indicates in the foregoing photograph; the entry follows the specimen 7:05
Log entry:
12:45
